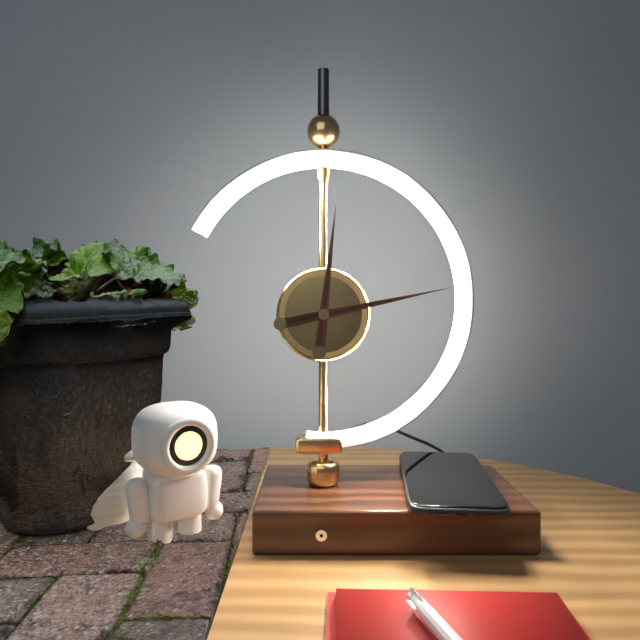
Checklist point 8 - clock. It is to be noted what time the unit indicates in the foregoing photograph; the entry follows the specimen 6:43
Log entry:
12:13
